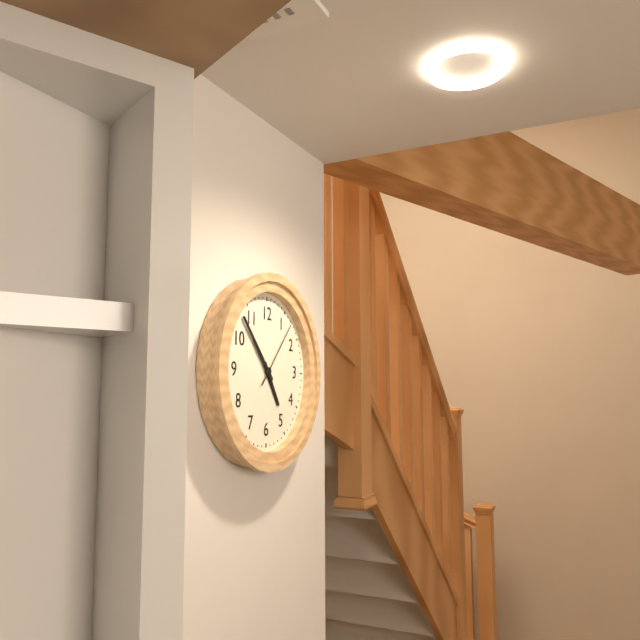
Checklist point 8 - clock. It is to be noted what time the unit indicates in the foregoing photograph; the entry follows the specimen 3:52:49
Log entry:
4:53:07
